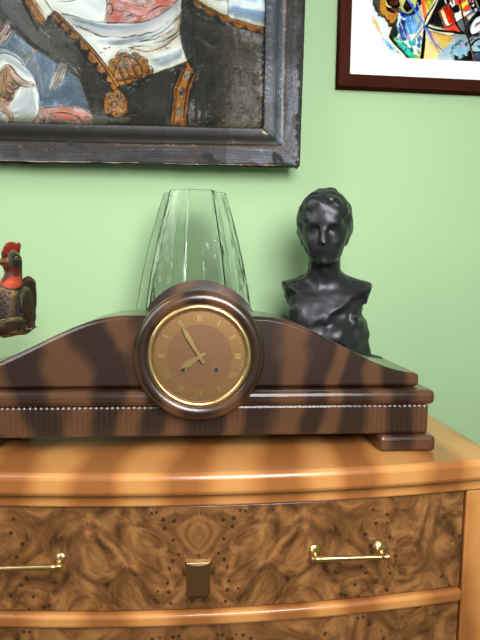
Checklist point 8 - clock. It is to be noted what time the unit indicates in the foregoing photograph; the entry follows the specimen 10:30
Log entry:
7:55
